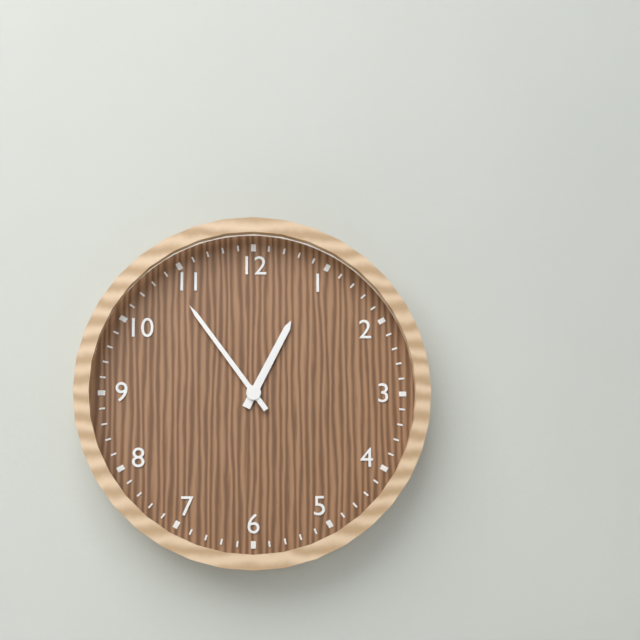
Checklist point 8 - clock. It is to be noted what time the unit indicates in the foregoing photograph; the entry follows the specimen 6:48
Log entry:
12:54
